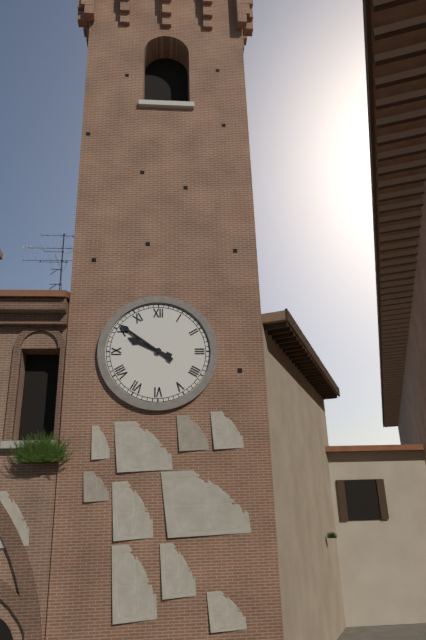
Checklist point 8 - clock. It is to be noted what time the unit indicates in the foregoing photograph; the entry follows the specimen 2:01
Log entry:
9:51
